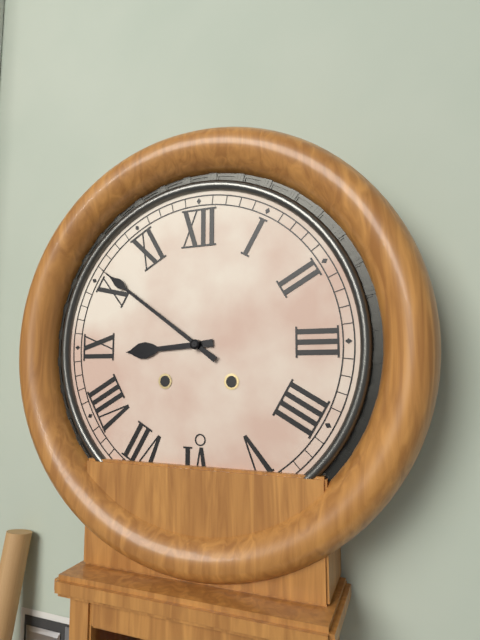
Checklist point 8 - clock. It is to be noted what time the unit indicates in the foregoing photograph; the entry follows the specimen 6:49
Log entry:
8:51
